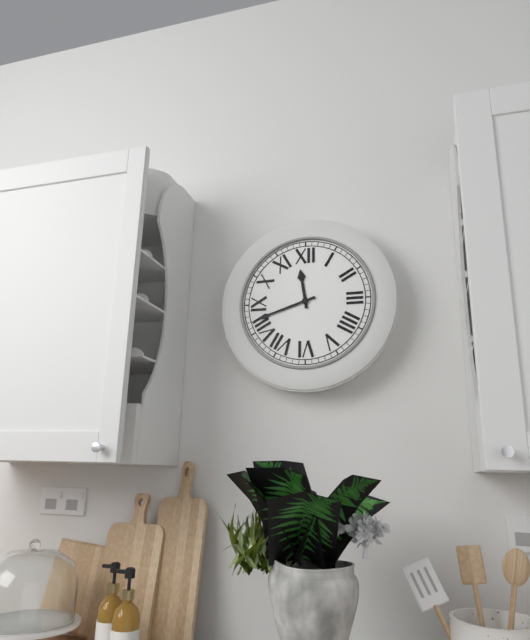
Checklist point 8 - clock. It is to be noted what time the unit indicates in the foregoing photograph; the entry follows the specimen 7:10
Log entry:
11:42
